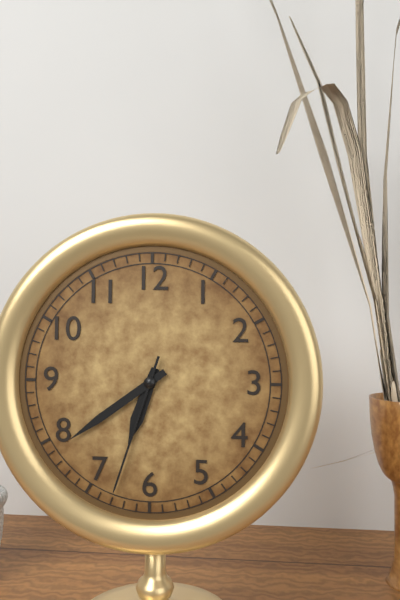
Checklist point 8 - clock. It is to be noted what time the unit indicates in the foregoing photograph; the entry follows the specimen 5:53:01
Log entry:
6:39:33
